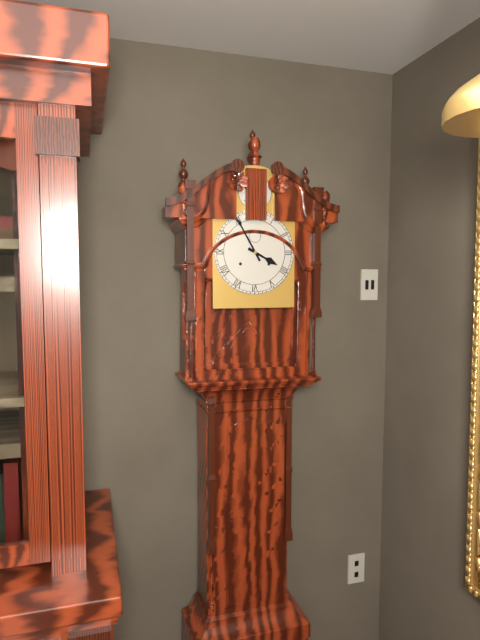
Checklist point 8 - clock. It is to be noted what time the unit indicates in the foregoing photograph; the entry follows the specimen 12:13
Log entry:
3:55
